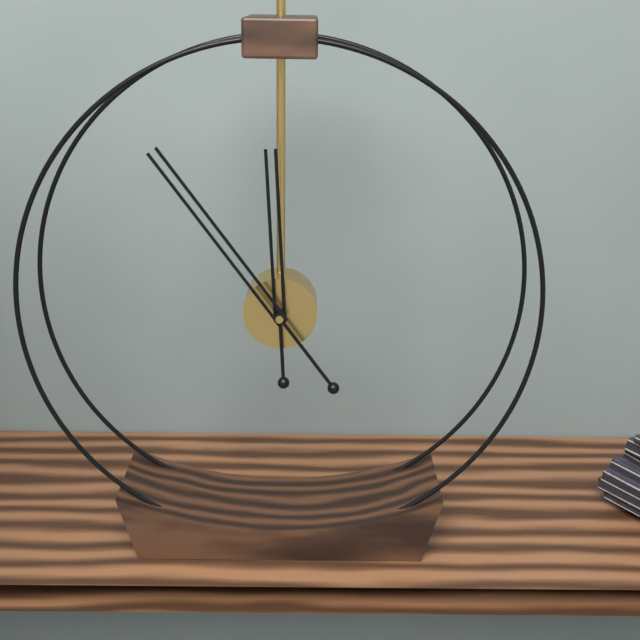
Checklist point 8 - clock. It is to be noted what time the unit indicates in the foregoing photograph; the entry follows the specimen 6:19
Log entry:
11:54
